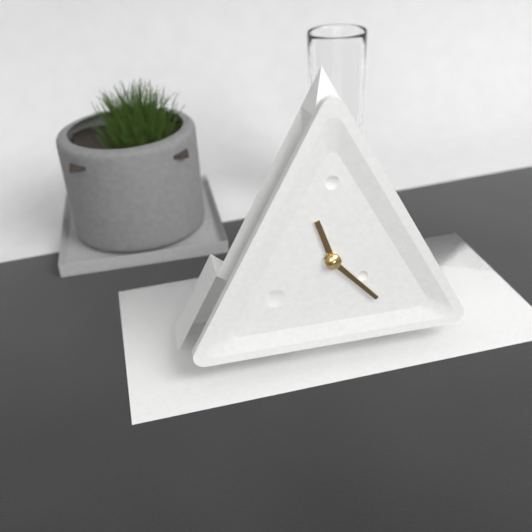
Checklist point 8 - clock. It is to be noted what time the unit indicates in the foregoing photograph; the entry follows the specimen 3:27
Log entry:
11:23
